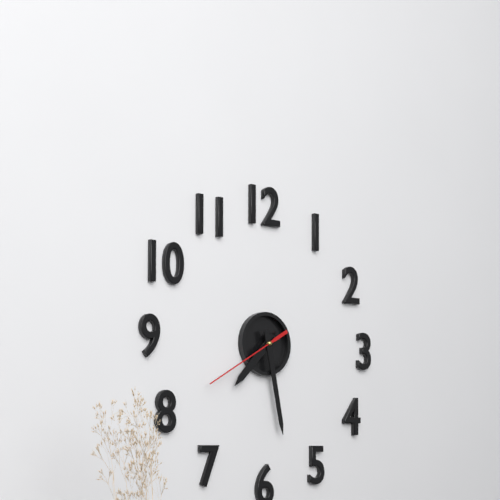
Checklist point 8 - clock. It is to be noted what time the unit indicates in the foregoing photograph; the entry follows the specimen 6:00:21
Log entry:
7:28:40
